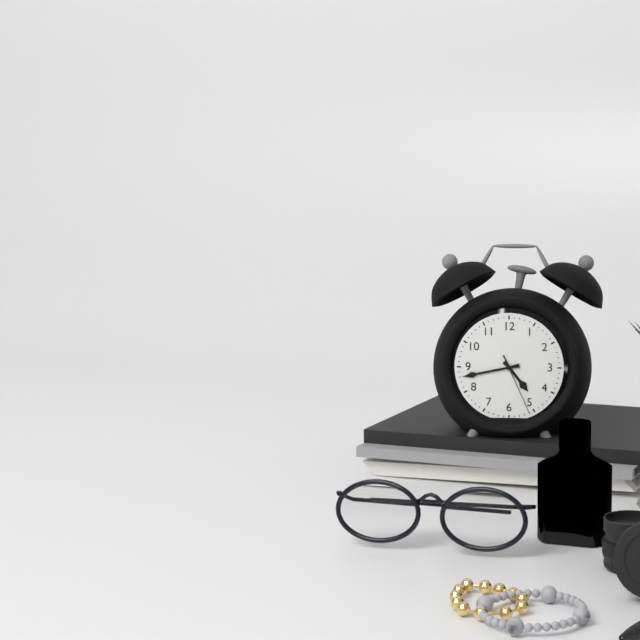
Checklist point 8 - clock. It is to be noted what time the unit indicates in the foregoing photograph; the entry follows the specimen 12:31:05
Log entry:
4:43:26
